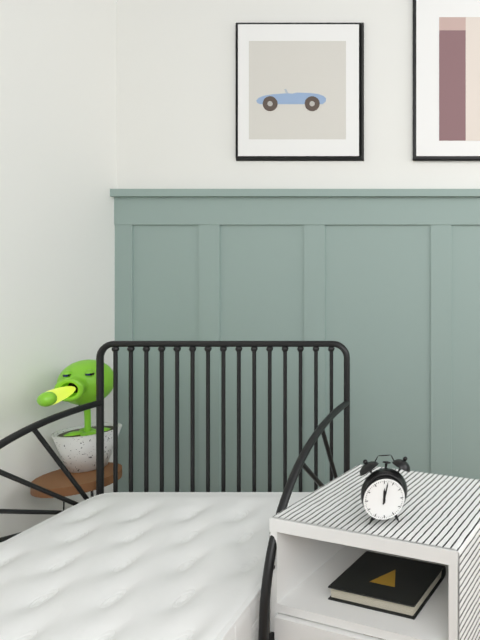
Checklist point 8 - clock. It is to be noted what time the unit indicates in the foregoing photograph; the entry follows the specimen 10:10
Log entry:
12:02
